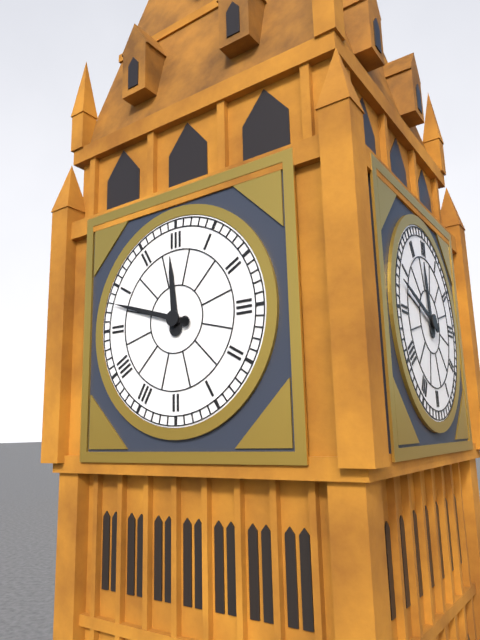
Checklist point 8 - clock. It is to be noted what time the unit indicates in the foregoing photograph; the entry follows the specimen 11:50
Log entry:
11:48
